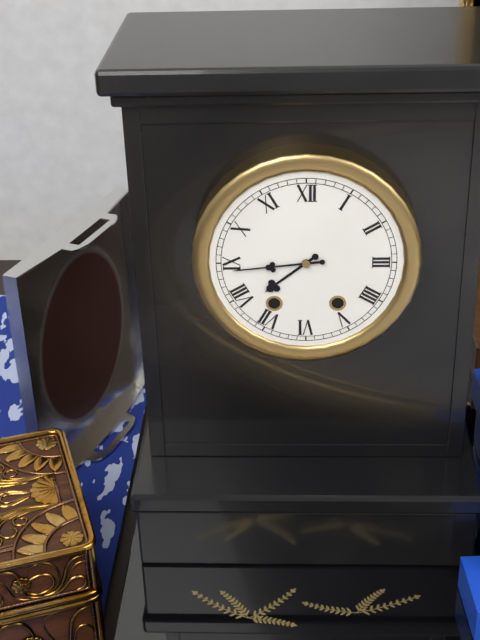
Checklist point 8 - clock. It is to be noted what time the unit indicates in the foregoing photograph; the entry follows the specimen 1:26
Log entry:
7:44
